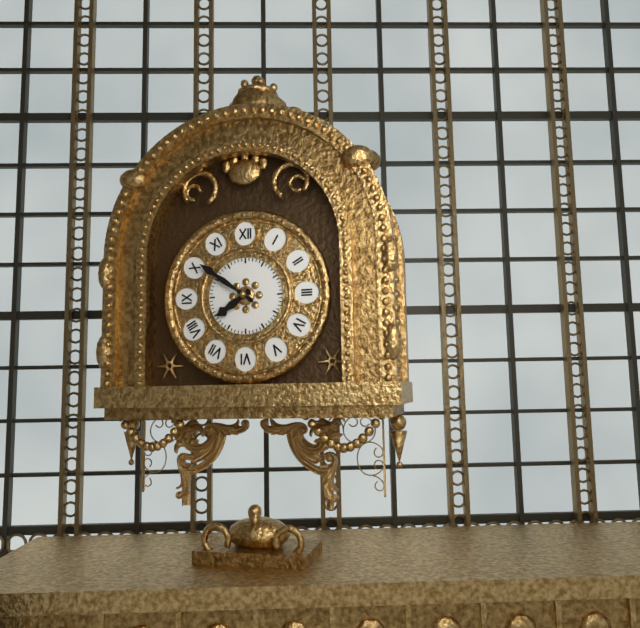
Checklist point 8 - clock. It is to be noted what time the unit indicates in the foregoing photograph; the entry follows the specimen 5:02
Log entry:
7:51
